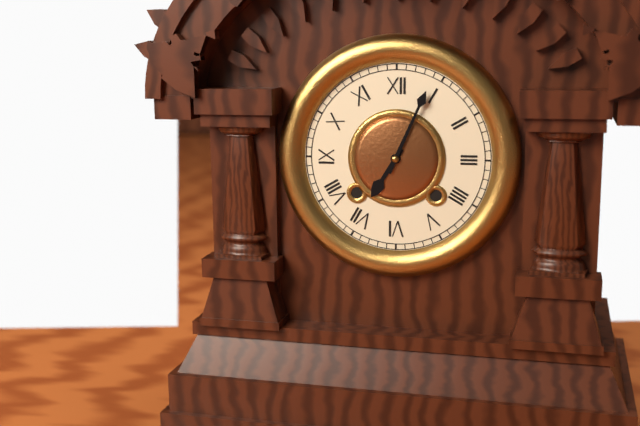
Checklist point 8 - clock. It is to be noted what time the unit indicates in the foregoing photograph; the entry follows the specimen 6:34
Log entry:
7:04
